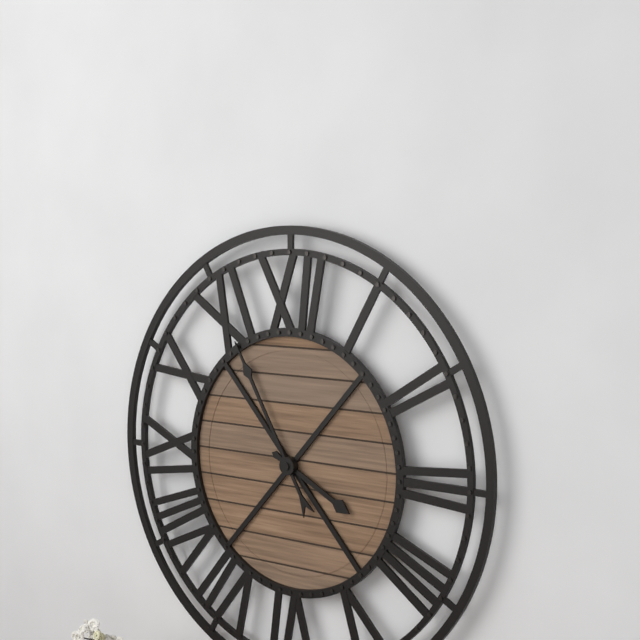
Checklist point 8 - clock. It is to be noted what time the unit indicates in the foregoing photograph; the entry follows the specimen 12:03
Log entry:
3:55
